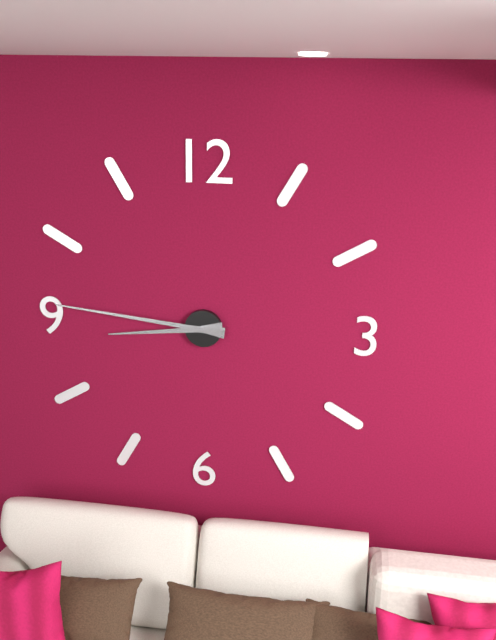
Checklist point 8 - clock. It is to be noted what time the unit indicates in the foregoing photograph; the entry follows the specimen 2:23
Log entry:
8:46
